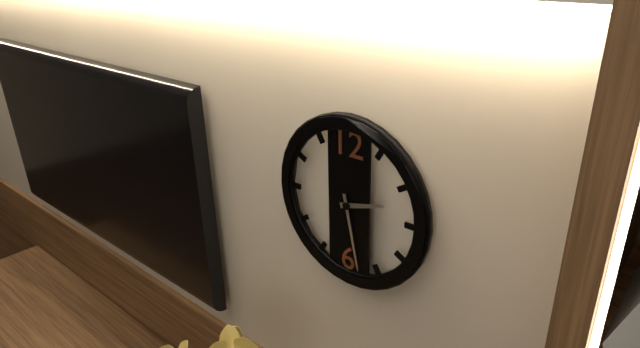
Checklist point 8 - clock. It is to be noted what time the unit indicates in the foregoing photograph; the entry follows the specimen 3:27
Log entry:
2:28
